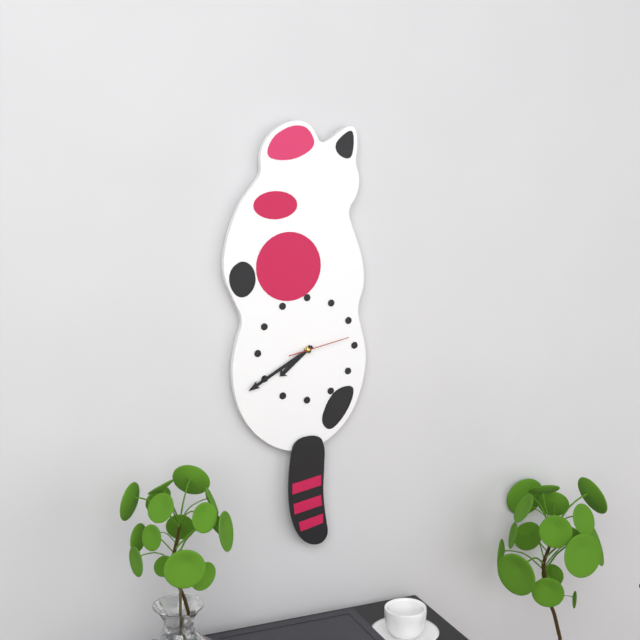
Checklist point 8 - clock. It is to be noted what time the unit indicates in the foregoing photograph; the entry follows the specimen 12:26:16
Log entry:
7:40:13
